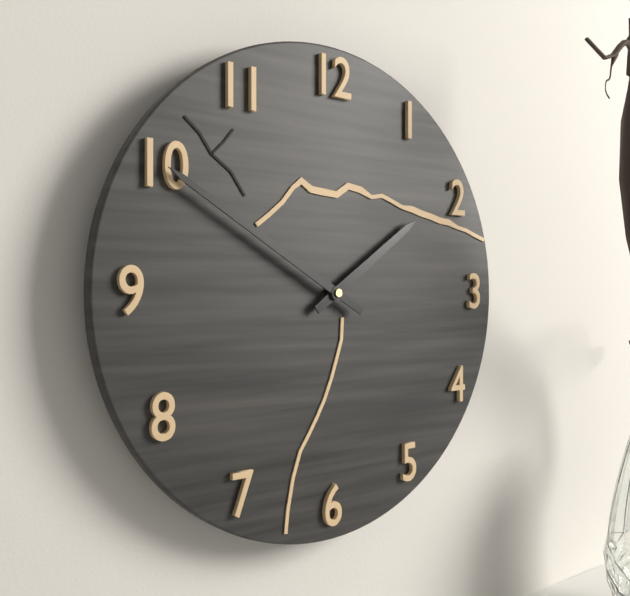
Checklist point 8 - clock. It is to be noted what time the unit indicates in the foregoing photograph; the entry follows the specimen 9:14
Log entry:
1:50
